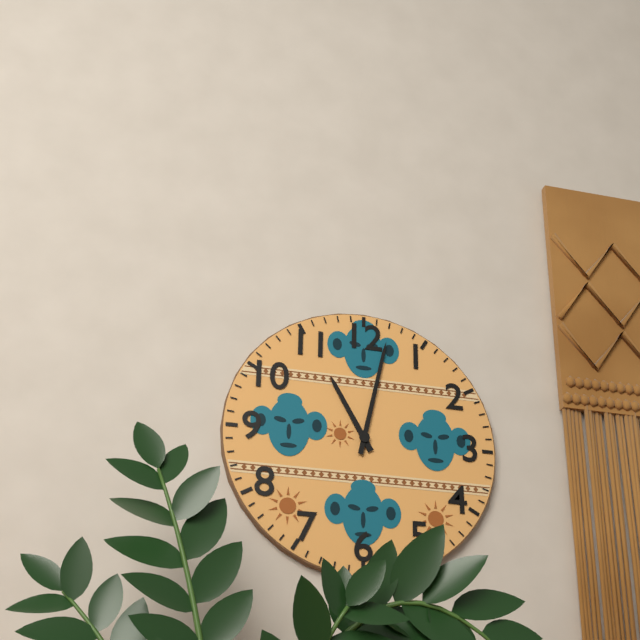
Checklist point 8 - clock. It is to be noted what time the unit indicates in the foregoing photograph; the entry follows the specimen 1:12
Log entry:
11:02
